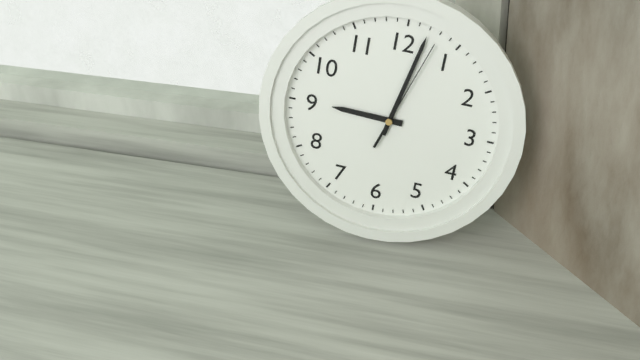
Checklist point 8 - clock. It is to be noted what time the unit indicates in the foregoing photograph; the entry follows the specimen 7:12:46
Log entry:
9:02:03
